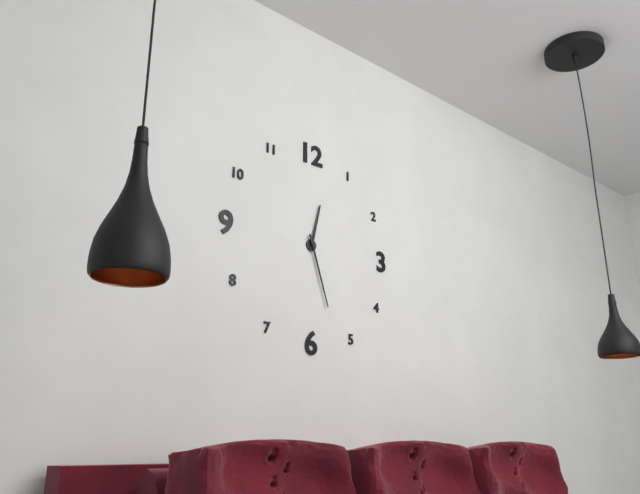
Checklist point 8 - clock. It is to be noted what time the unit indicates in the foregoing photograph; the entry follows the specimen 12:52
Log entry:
12:27
